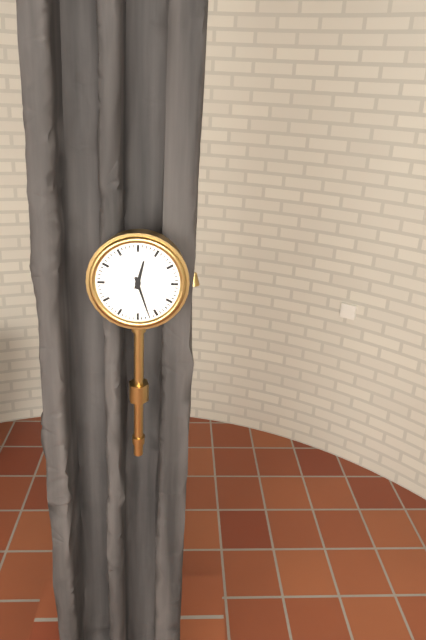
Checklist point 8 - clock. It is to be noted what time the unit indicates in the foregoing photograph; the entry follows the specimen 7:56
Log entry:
12:27
